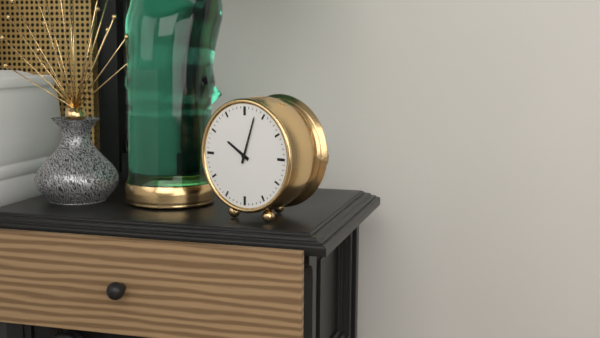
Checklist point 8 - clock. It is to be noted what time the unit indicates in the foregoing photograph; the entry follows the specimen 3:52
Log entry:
10:03
